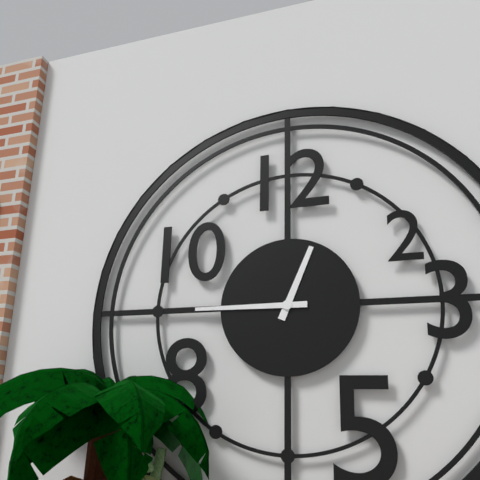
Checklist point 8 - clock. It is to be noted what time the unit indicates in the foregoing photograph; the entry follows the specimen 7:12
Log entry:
12:45
